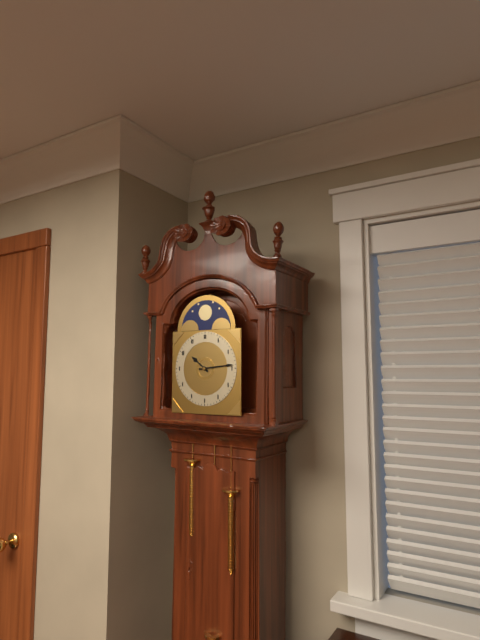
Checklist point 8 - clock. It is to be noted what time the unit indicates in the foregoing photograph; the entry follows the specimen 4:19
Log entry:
10:14
